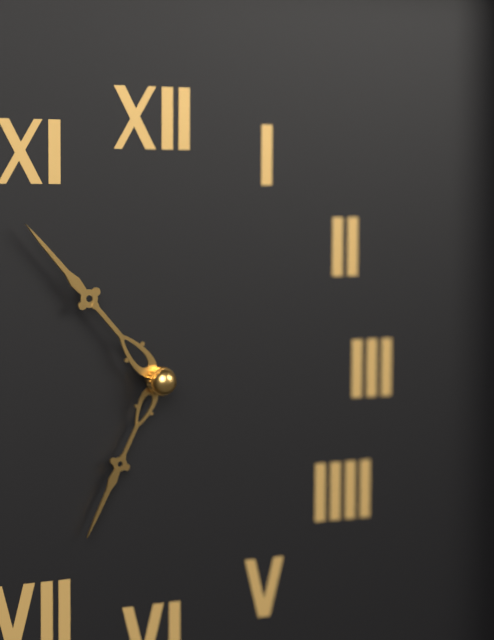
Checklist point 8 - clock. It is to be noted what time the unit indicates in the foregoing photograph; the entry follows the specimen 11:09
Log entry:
6:53
